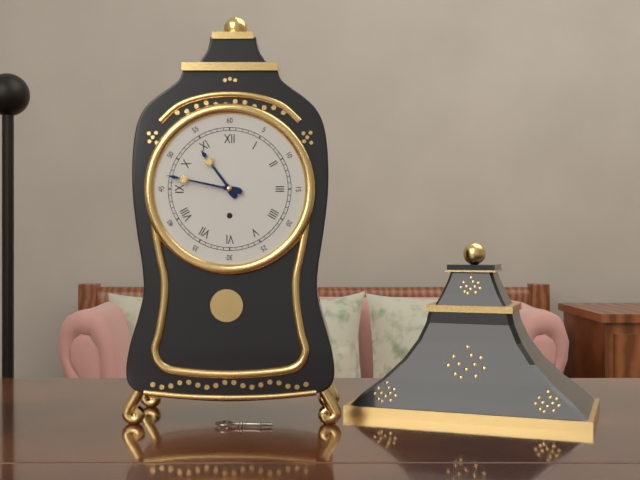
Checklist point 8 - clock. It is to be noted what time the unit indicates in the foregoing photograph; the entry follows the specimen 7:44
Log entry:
10:47
